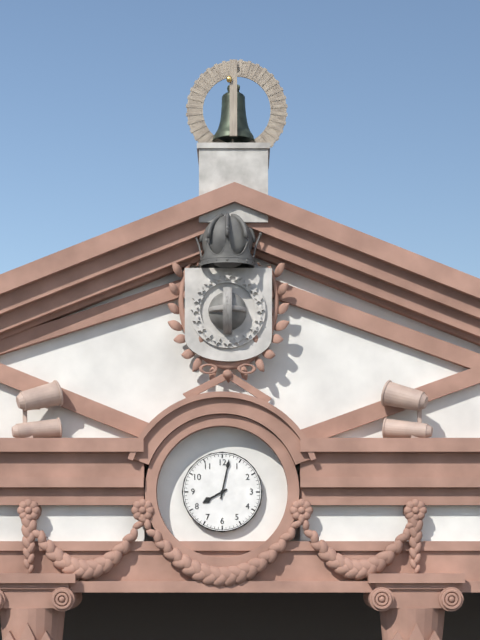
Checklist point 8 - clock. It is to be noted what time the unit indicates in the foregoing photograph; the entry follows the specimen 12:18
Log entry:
8:02
